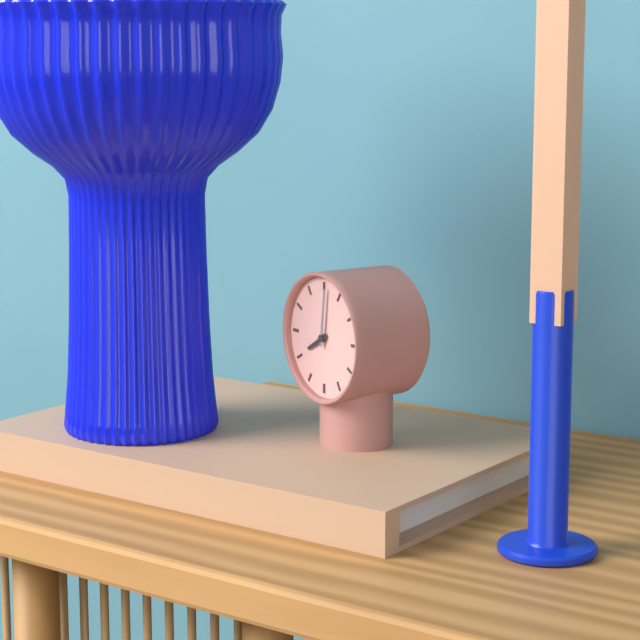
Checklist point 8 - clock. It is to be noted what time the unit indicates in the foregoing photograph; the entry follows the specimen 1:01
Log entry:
8:01
